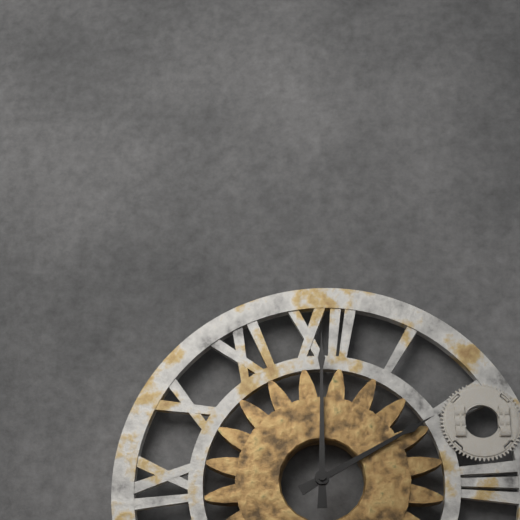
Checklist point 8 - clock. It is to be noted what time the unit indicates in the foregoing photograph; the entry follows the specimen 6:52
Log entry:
2:00
